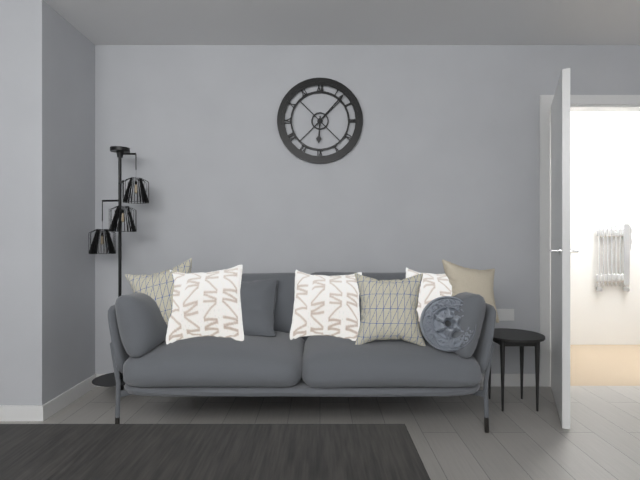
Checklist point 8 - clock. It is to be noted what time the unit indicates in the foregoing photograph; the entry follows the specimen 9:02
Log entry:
6:07
